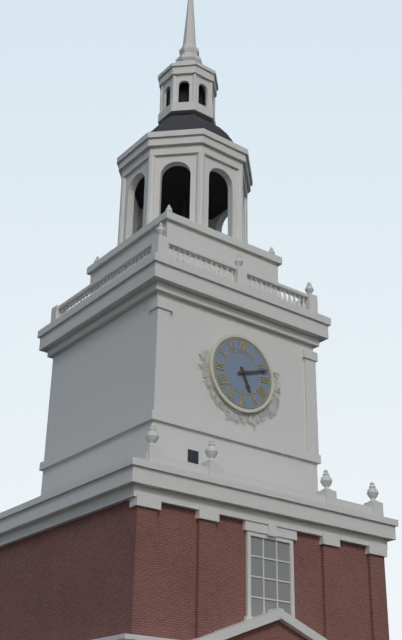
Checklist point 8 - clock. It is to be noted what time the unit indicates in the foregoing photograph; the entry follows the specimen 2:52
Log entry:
5:12
